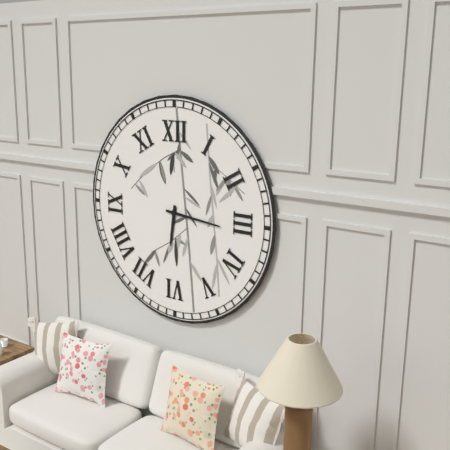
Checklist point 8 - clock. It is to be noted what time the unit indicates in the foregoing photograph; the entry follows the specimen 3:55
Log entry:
6:16
